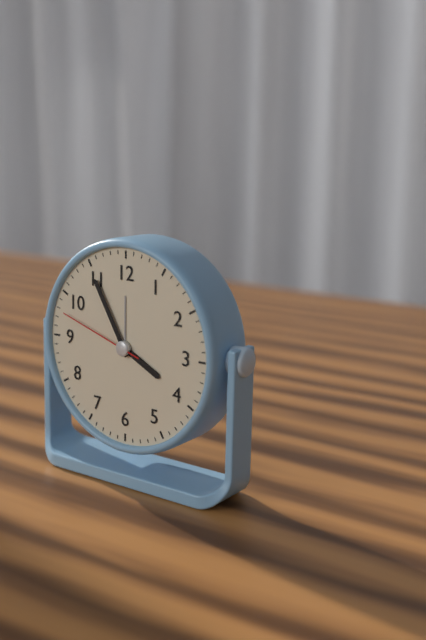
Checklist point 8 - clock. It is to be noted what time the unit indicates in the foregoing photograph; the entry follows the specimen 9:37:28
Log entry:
3:55:48
